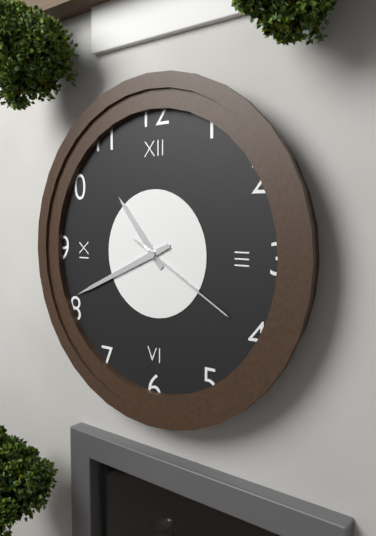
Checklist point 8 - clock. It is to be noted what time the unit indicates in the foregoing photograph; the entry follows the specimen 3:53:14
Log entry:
10:41:20
